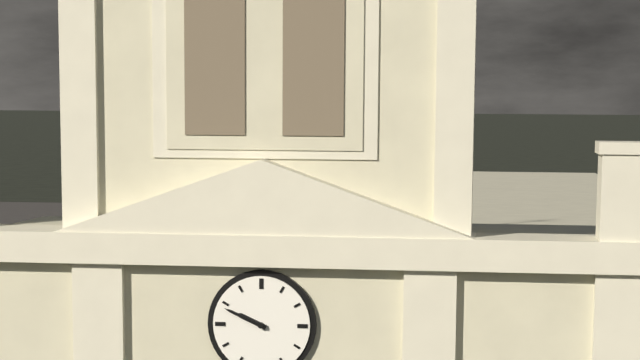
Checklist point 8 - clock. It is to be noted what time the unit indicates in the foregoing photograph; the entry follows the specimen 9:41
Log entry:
9:49
